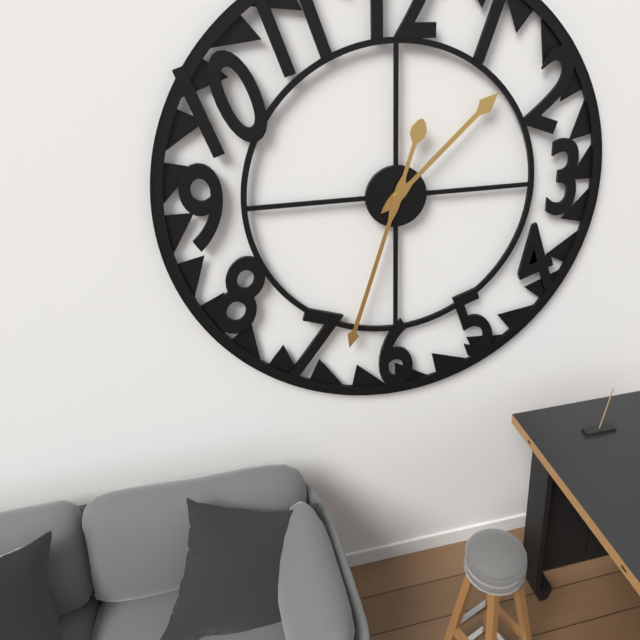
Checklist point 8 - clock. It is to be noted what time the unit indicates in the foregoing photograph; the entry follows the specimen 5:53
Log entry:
1:33
